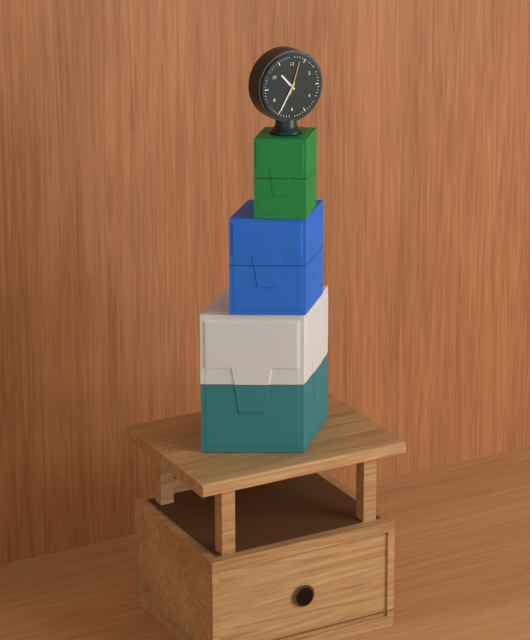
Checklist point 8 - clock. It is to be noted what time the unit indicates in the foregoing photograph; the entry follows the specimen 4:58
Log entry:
10:35
